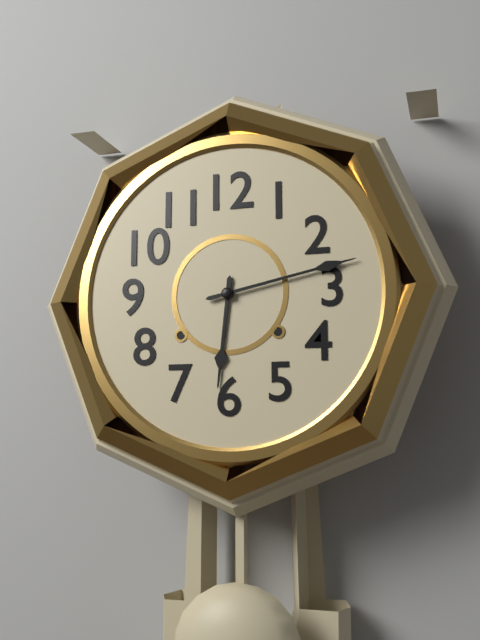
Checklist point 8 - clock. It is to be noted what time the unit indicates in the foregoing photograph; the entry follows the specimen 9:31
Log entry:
6:13
